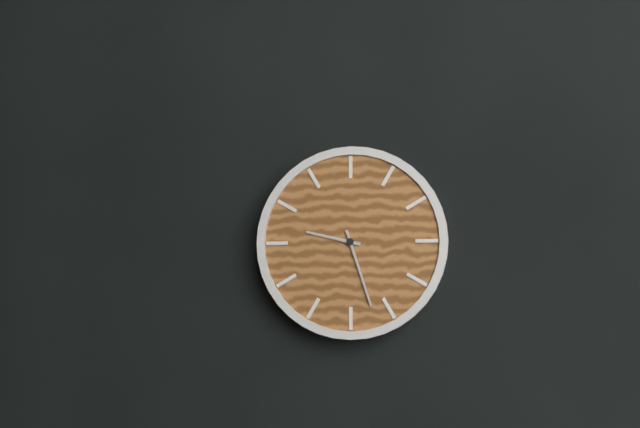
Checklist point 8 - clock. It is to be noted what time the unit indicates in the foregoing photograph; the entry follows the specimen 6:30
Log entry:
9:27
